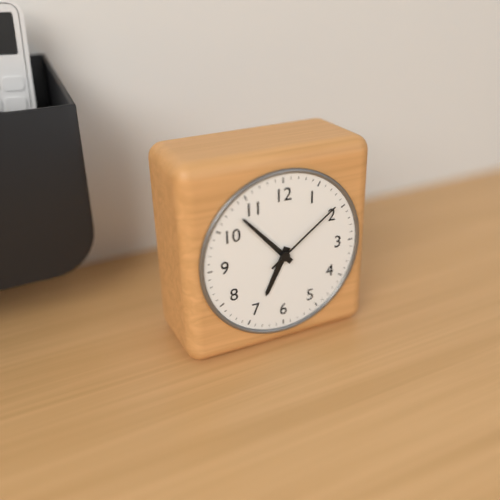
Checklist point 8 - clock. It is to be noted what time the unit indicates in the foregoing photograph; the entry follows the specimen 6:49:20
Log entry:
6:53:09
